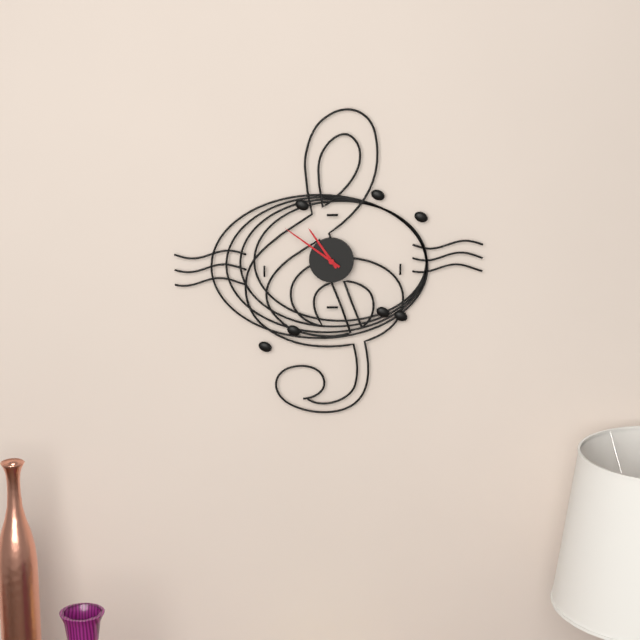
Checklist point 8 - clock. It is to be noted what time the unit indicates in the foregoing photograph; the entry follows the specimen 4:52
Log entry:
10:51
